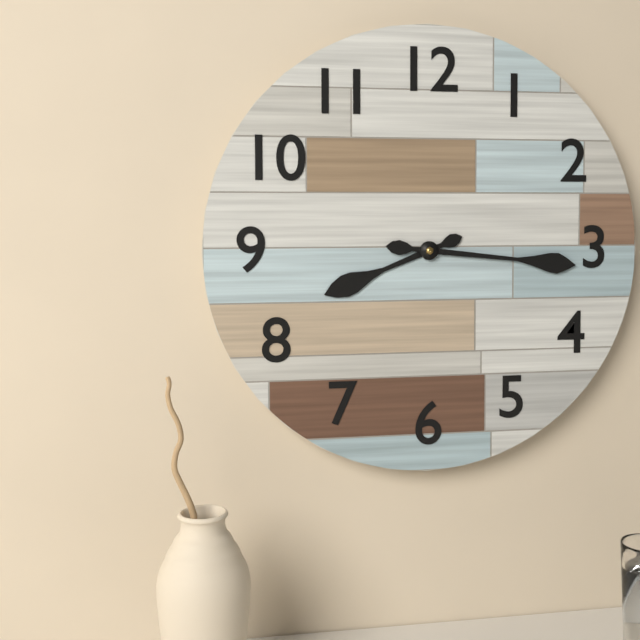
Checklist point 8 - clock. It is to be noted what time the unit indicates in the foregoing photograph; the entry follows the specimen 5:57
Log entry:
8:16
